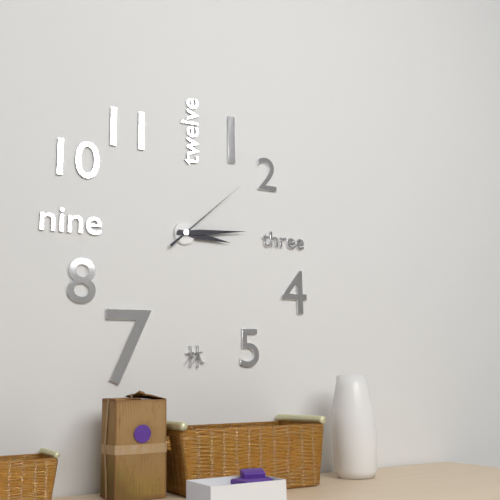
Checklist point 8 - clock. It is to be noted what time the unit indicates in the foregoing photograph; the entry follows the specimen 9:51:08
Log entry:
3:14:08
